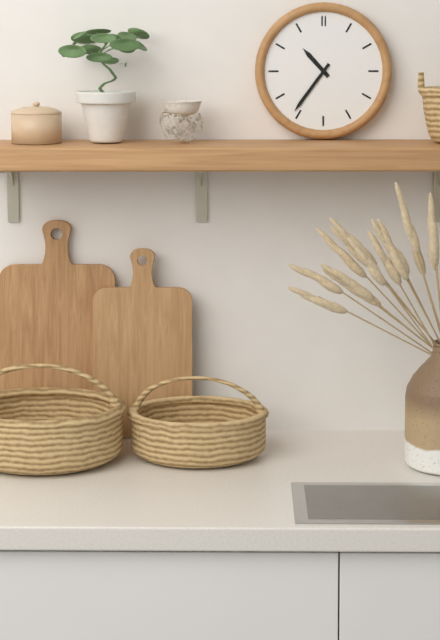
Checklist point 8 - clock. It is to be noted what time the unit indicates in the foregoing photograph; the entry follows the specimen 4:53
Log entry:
10:36
